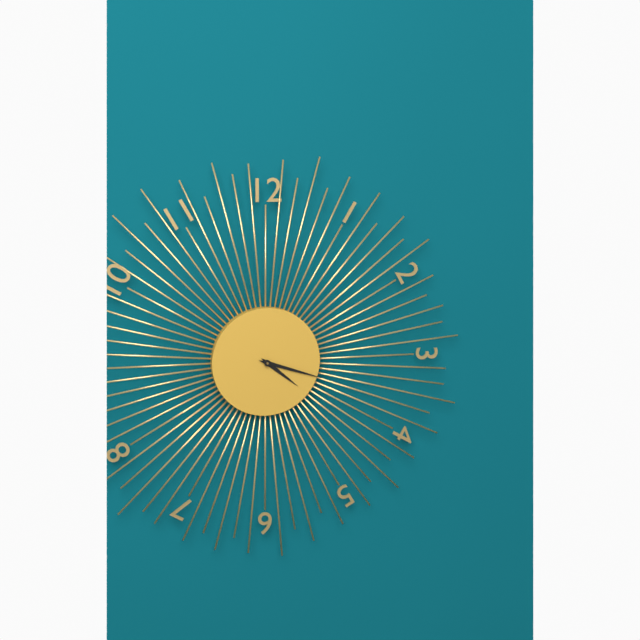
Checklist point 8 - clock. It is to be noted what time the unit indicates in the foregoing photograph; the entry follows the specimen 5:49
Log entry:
4:18
